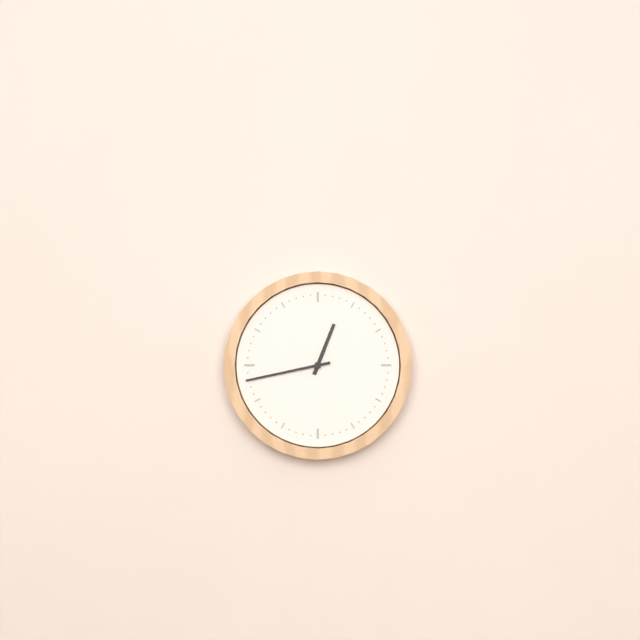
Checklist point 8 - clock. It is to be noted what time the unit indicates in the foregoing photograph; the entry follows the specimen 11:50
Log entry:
12:43
